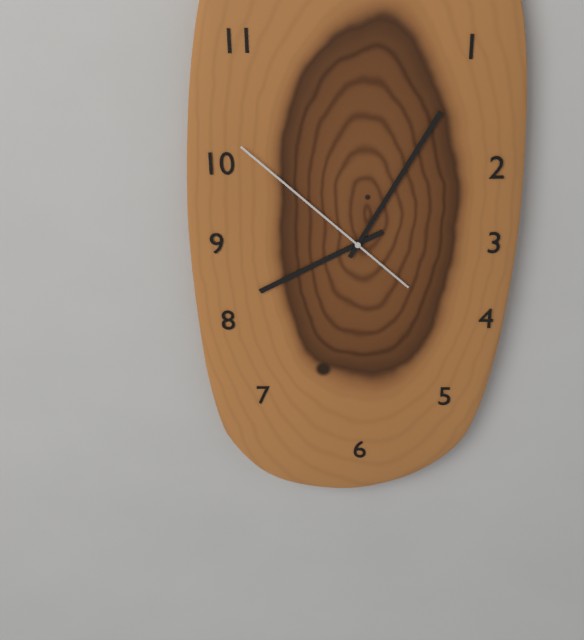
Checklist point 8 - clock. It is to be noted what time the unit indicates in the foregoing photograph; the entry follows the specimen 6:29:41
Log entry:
8:05:52
